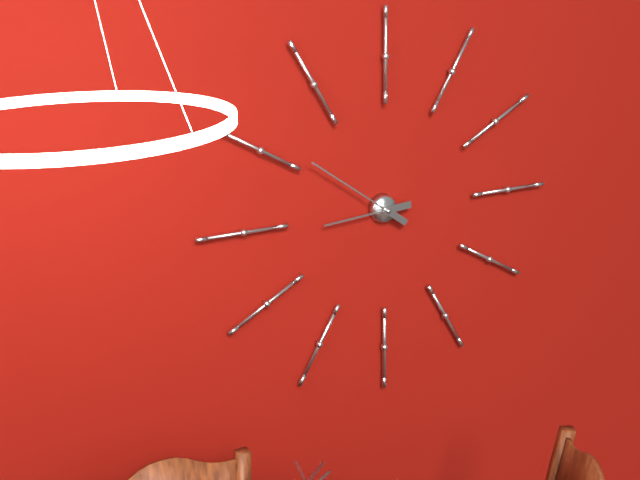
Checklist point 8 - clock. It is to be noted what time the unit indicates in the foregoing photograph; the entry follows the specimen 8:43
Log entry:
8:51
